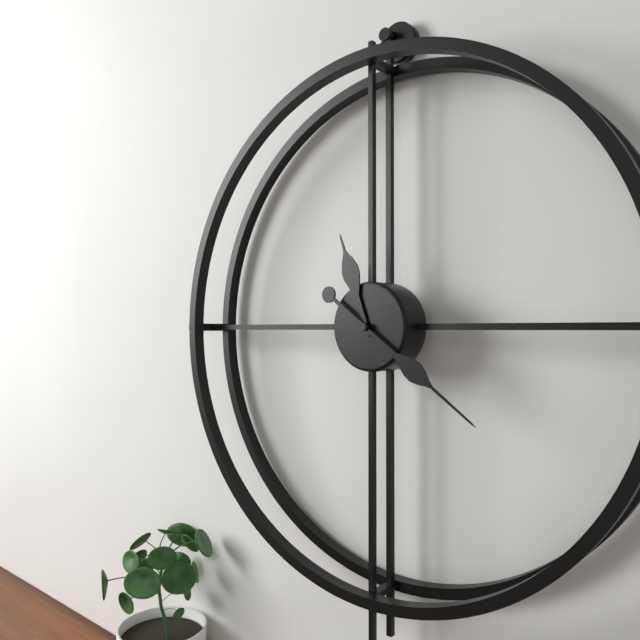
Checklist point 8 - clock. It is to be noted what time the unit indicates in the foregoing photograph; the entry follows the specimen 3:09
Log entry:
11:21
